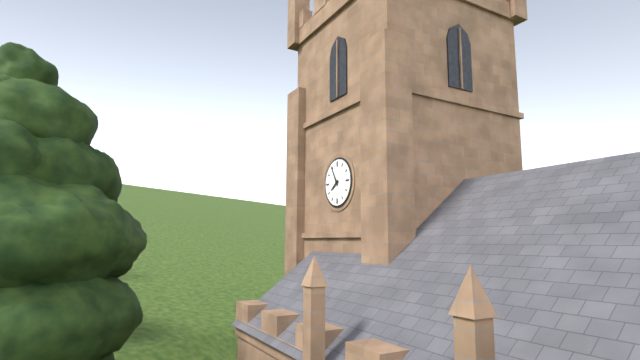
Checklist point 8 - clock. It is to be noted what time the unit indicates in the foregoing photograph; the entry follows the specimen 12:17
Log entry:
7:55
